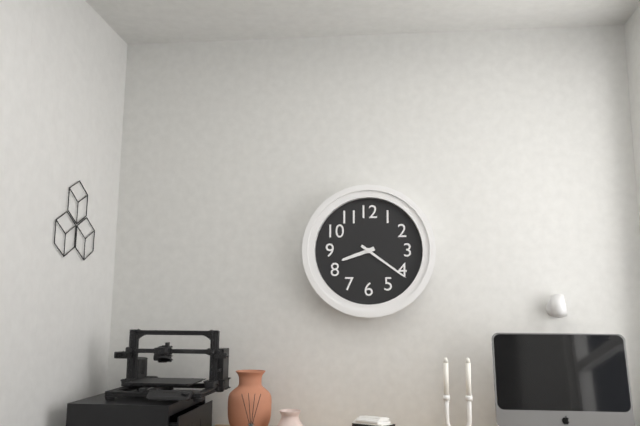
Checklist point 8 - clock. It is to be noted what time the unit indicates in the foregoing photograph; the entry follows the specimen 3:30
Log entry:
8:21
